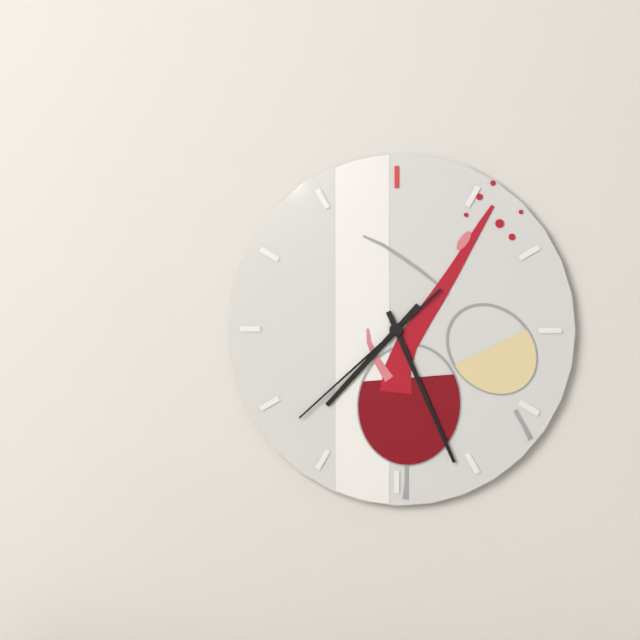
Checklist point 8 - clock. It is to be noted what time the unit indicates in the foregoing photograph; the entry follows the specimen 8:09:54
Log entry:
7:26:38
